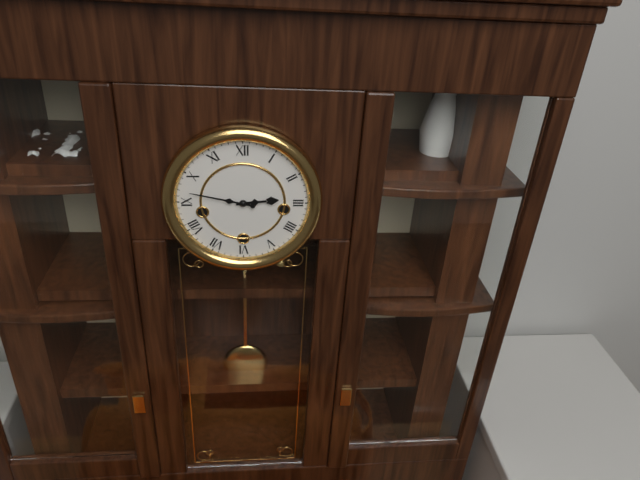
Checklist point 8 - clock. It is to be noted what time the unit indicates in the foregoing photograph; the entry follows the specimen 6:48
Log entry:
2:47
